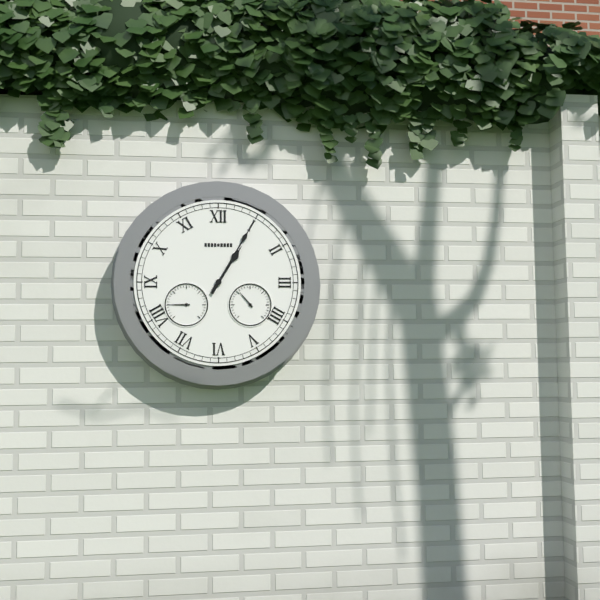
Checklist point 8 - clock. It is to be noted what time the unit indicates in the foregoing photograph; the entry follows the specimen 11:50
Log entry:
1:05
